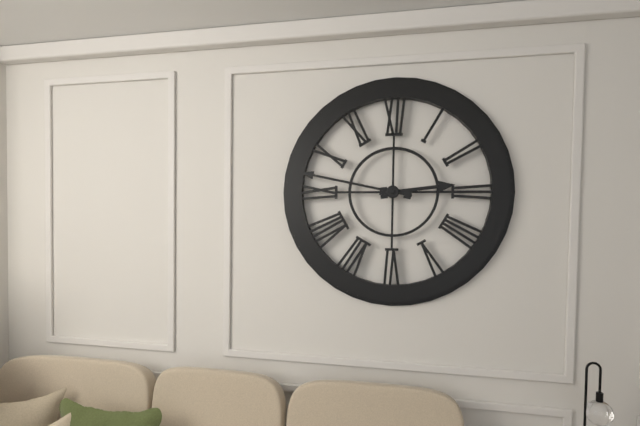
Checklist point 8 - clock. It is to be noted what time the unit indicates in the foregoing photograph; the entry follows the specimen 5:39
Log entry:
2:47
